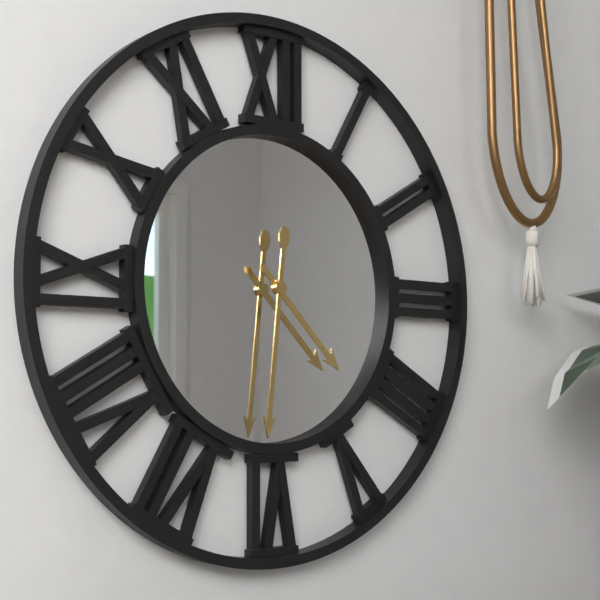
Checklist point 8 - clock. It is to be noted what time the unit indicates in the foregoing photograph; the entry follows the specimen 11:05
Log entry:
4:31
